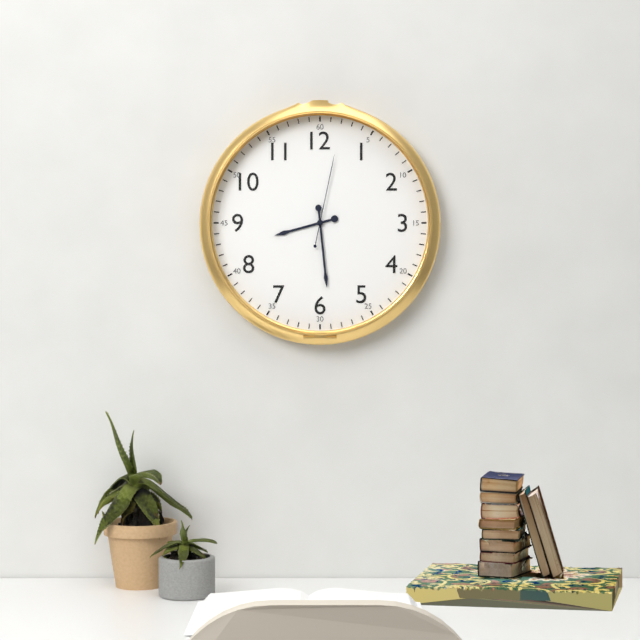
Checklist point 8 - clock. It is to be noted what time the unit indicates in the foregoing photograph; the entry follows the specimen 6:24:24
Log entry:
8:29:02
